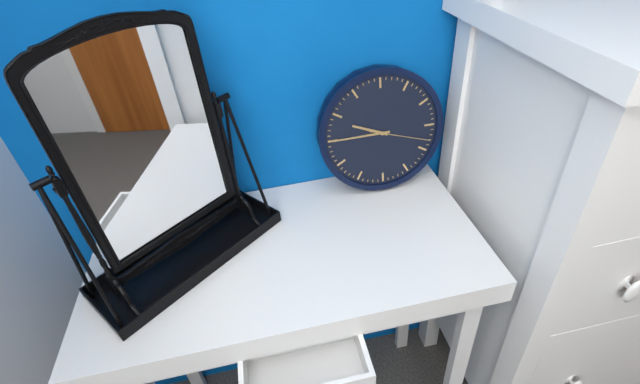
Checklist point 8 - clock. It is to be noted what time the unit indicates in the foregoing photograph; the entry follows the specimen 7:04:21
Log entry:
9:45:18
